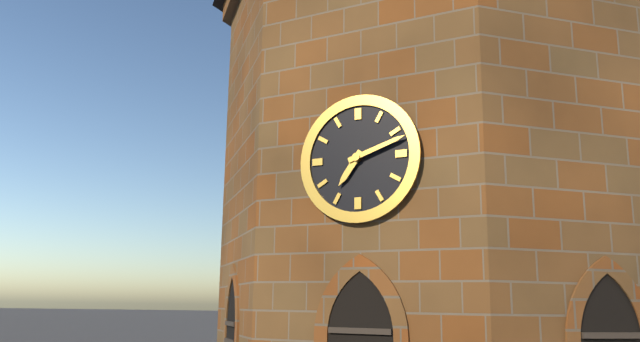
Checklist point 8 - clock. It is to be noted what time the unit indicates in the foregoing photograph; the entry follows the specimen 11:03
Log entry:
7:12
